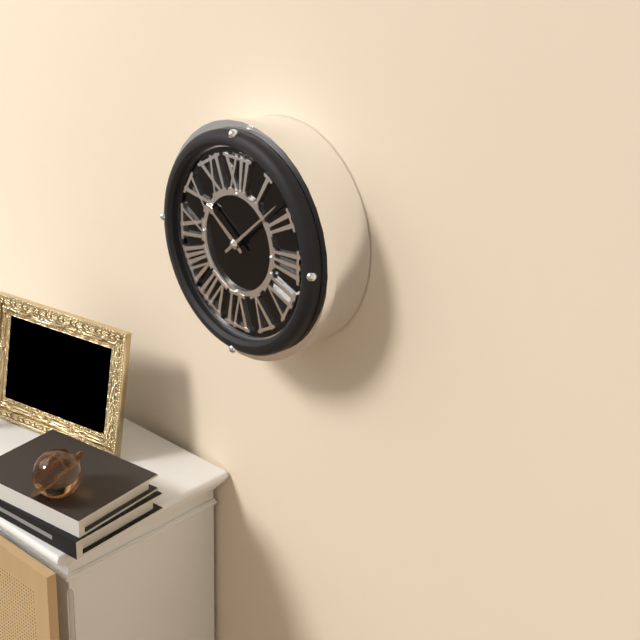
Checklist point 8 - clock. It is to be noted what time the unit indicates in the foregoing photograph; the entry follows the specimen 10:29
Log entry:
10:08
